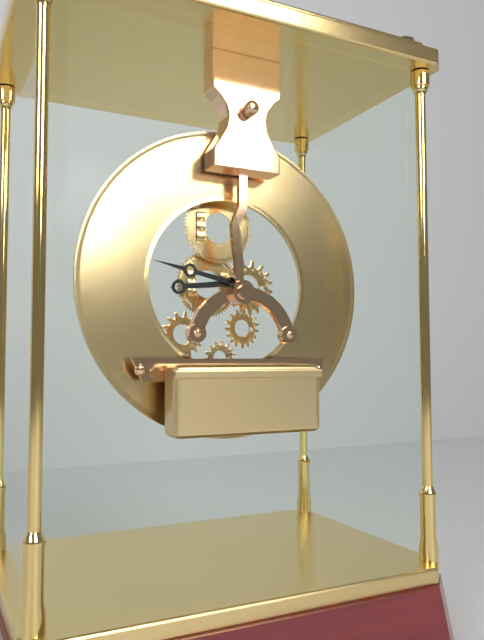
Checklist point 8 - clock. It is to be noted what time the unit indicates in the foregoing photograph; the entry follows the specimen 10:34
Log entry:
8:47
